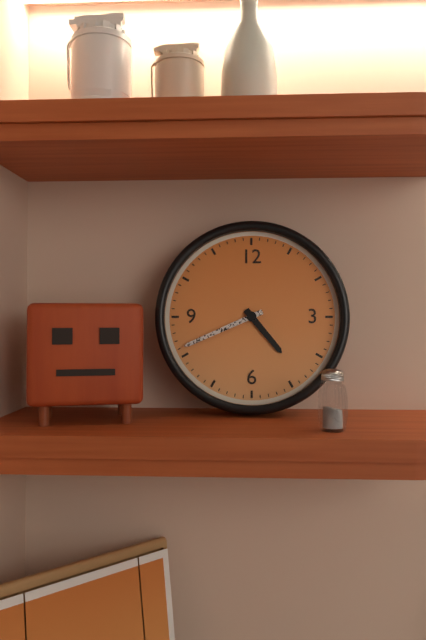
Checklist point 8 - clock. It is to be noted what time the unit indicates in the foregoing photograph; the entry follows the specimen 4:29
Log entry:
4:41
